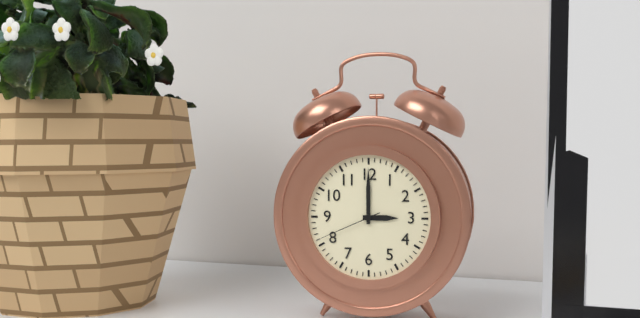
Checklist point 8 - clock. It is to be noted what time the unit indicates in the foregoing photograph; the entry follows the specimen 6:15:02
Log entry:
3:00:41
